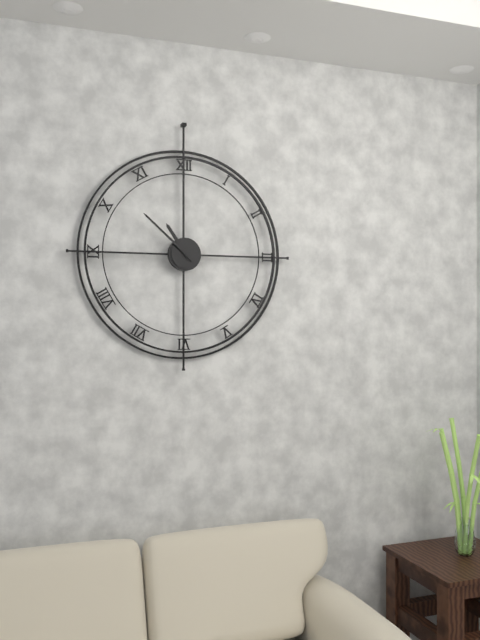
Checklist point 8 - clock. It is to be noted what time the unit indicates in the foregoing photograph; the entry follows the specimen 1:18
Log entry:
10:52
